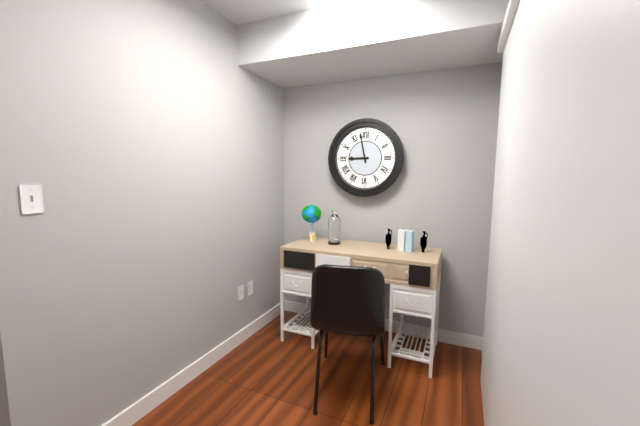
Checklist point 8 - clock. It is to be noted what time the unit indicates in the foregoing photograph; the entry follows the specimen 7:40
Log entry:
8:58
